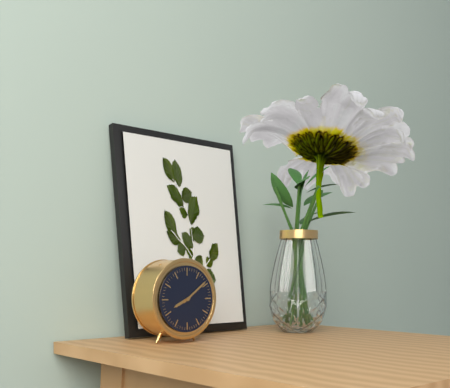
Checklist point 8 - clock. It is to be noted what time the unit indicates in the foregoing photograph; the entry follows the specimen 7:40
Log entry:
8:09
